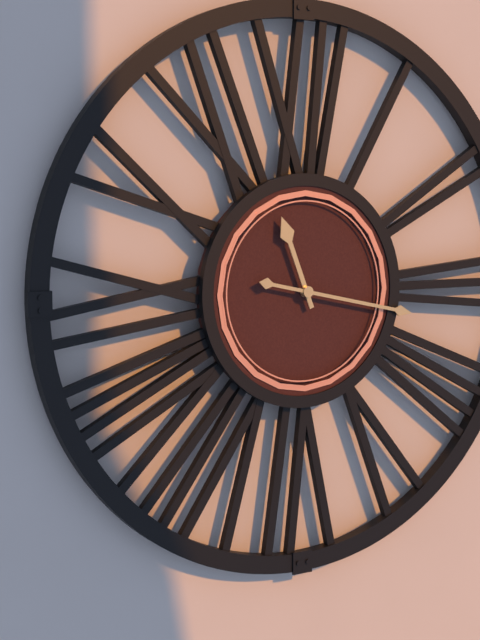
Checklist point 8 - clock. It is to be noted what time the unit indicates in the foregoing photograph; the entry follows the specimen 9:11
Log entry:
11:17
